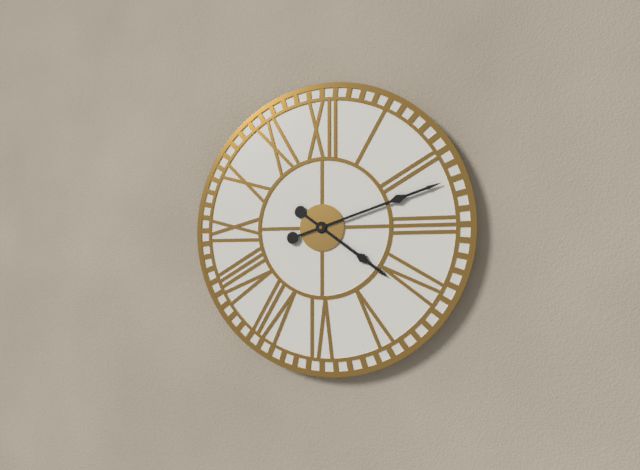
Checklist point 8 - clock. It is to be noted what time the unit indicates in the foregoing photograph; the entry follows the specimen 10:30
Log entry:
4:12
